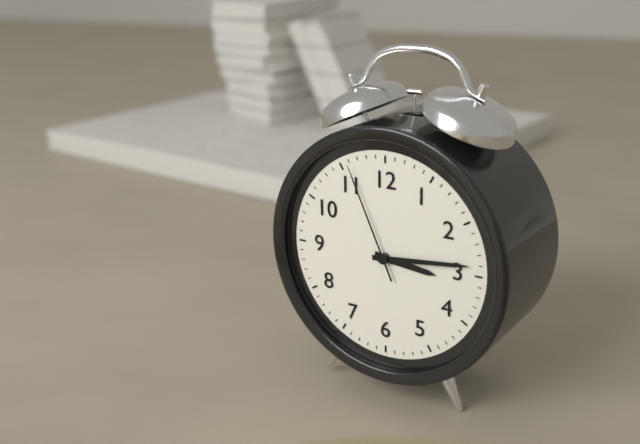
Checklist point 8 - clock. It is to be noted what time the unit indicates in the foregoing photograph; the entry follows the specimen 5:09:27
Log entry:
3:14:56
